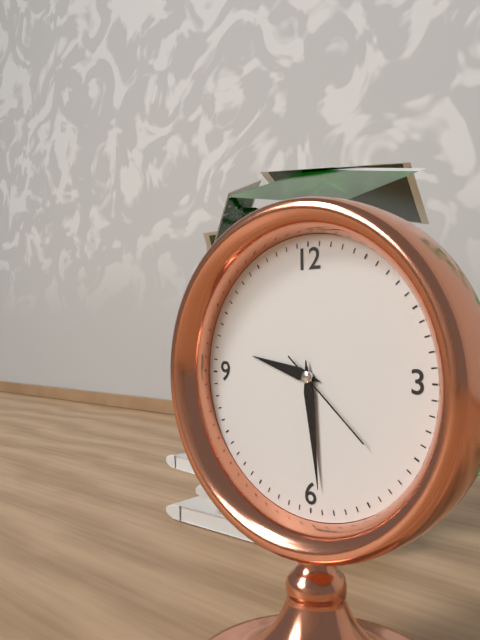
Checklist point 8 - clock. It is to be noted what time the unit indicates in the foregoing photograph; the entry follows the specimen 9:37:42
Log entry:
9:29:22
